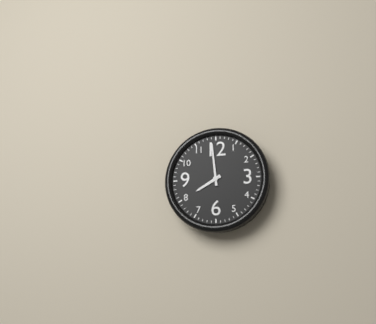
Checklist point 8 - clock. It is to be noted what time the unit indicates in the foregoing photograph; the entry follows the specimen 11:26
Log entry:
7:59
